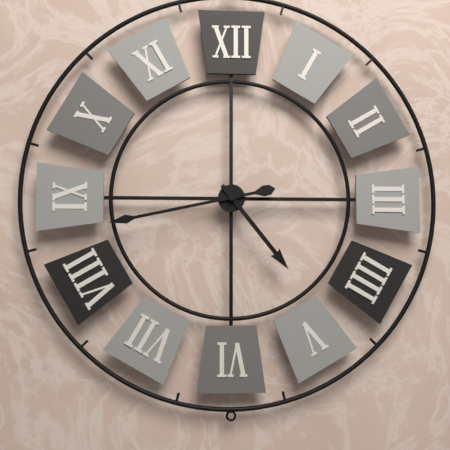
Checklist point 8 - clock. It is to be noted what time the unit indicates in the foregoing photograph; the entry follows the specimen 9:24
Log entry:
4:43
